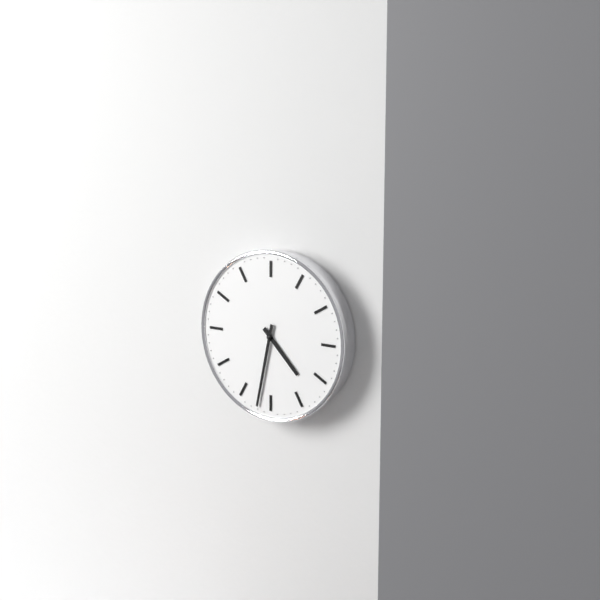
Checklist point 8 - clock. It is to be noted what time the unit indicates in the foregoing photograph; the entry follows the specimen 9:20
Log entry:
4:32
